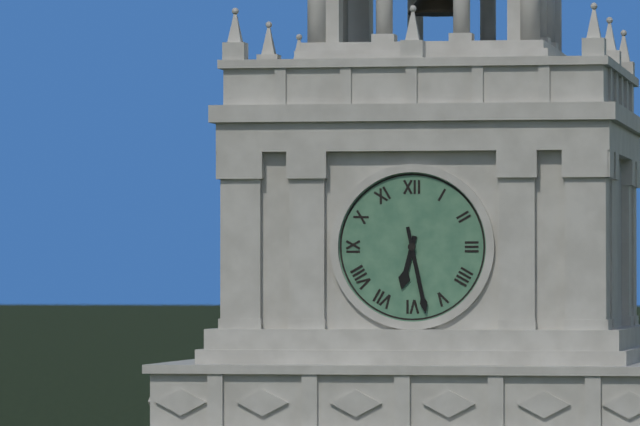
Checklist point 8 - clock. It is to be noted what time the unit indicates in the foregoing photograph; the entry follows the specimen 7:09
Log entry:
6:28
